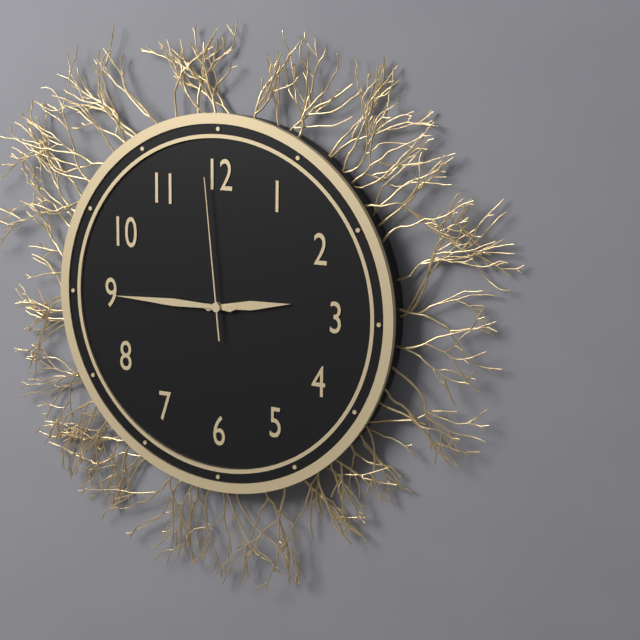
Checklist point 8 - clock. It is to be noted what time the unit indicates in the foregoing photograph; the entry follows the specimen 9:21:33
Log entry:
2:45:59
